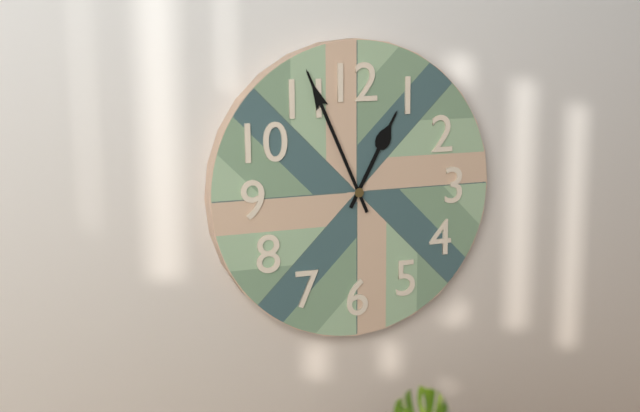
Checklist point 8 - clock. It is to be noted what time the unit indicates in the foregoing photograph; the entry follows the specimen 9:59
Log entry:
12:56
